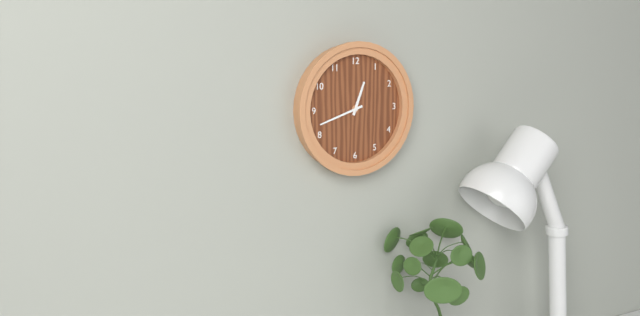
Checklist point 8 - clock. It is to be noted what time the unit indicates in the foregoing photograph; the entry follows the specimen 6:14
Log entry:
12:42
